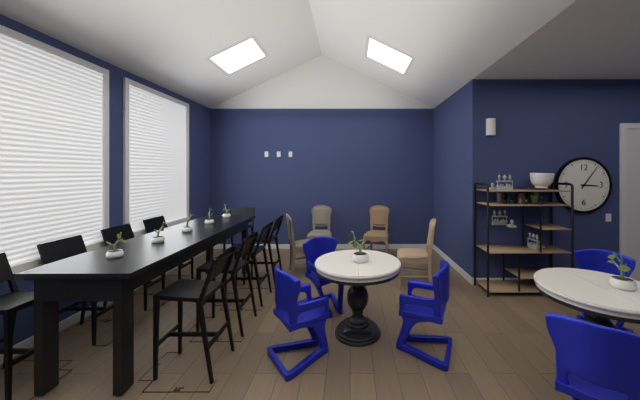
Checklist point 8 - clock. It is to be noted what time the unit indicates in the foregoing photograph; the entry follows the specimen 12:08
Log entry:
3:06
